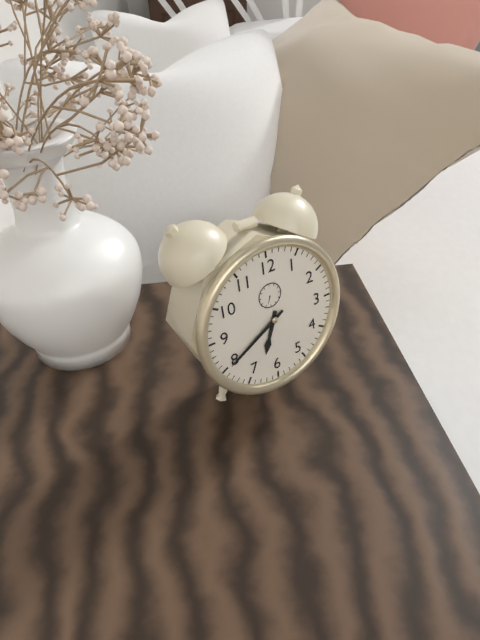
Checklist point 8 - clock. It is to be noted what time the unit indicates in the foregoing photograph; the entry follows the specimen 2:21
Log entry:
6:40
